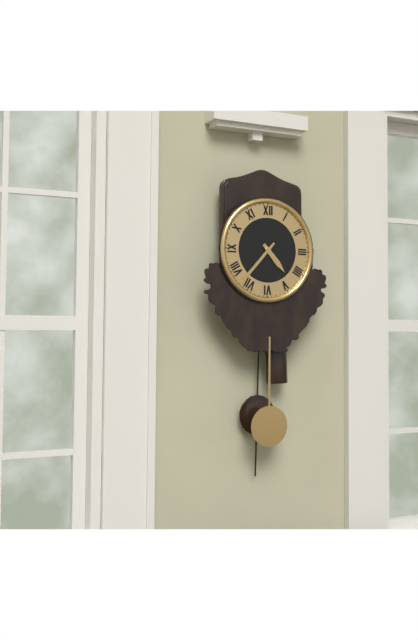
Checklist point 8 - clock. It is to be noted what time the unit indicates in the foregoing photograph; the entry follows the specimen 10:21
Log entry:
4:37
